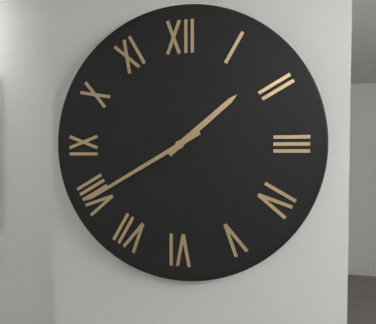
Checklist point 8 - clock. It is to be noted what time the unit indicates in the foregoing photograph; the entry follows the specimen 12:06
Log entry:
1:40
